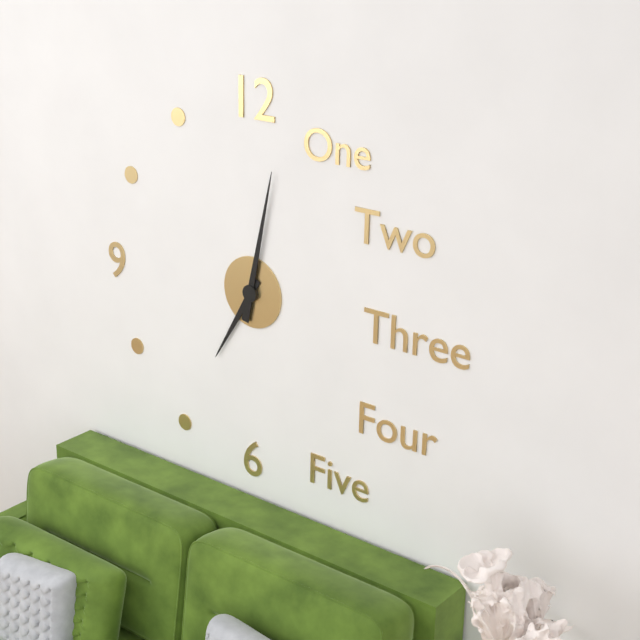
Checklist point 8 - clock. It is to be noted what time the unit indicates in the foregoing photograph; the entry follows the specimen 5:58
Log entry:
7:02
